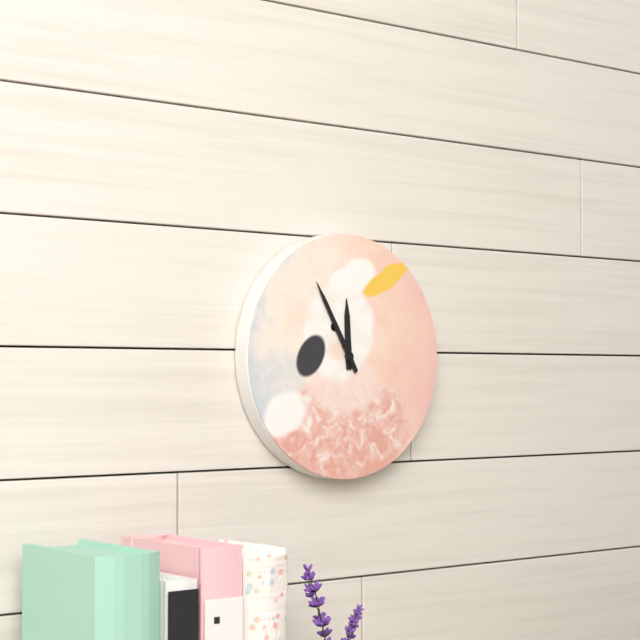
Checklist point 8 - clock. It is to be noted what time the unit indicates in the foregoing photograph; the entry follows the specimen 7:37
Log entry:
11:55
